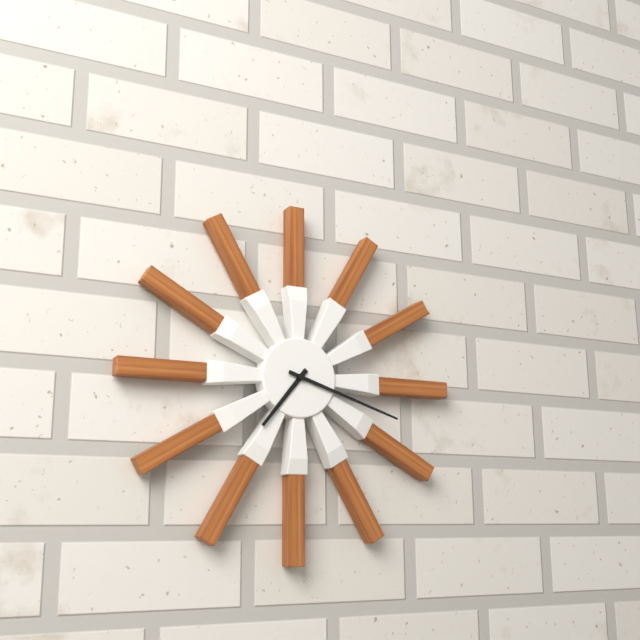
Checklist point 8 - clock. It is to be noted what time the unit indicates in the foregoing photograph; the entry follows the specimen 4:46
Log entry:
7:18
